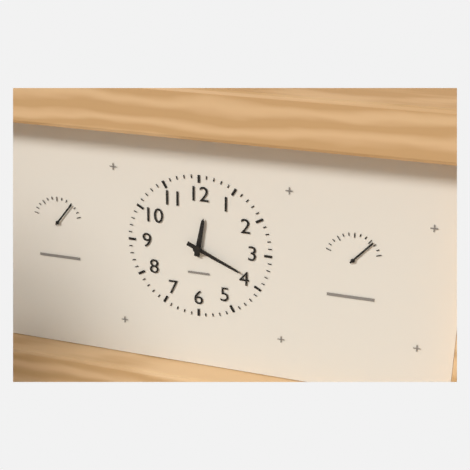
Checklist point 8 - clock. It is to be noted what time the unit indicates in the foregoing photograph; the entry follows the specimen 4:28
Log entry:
12:19
